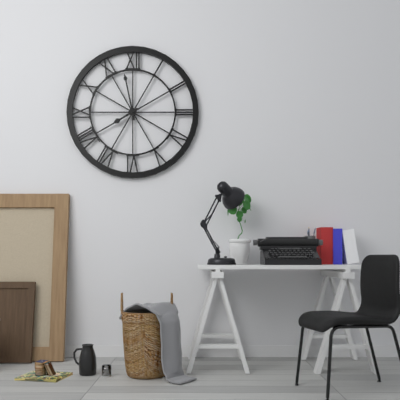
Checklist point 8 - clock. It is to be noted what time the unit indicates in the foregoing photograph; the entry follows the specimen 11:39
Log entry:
7:58
